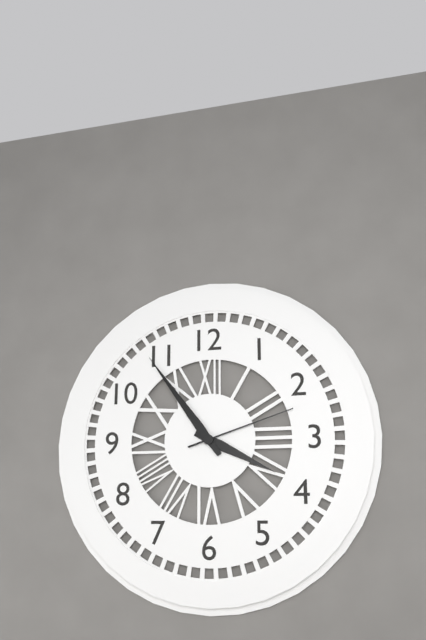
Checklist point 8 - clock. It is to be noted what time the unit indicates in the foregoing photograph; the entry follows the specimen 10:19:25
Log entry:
3:54:12
